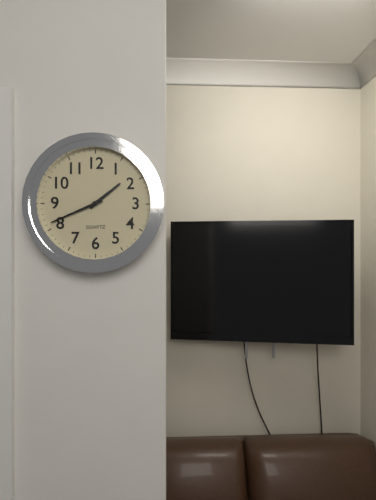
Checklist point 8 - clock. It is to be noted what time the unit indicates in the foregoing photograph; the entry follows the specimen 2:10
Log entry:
1:41
